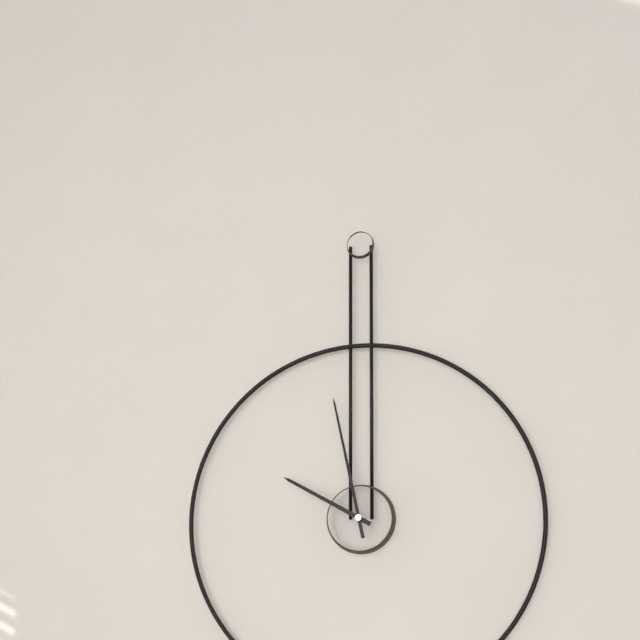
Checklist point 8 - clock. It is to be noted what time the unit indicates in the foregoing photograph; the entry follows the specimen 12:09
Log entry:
9:58
